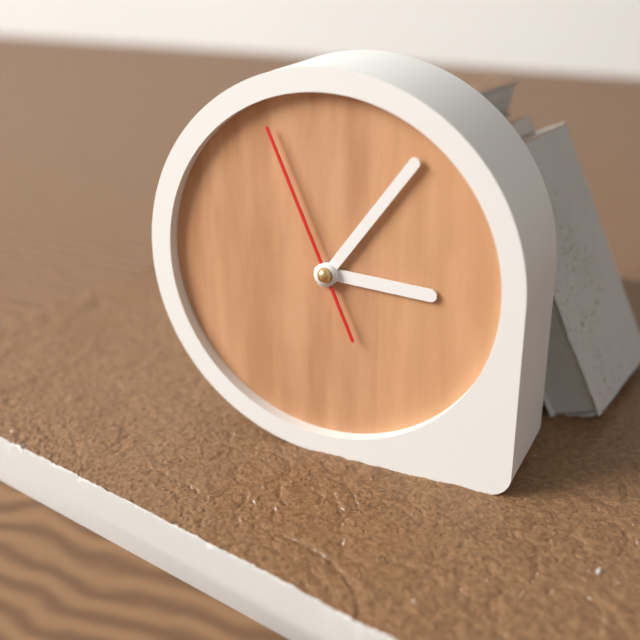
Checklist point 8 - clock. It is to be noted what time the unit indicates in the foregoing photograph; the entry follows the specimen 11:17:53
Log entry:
3:06:56
